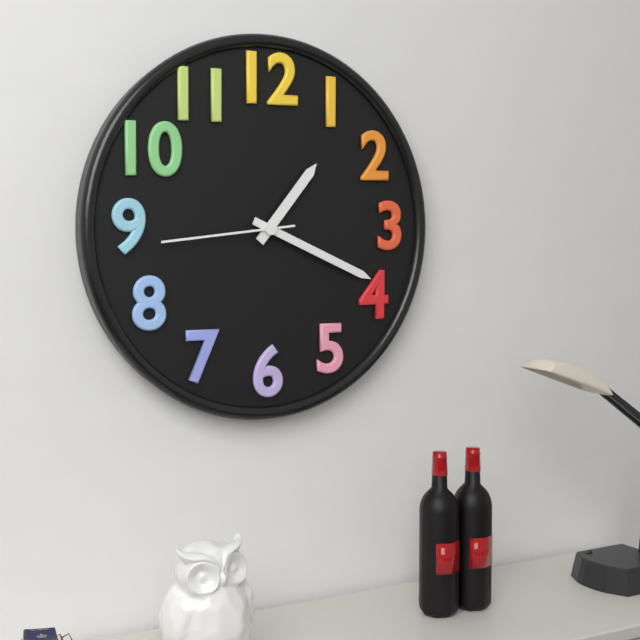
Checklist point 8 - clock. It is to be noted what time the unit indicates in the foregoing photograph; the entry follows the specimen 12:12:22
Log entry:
1:19:44
